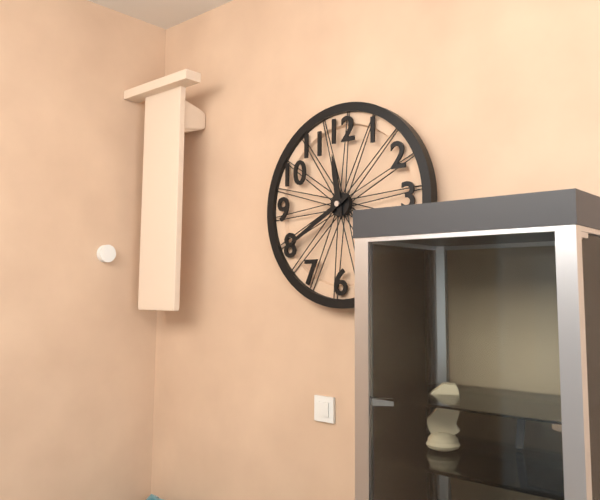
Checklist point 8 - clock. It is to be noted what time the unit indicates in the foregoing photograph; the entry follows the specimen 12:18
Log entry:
11:40
